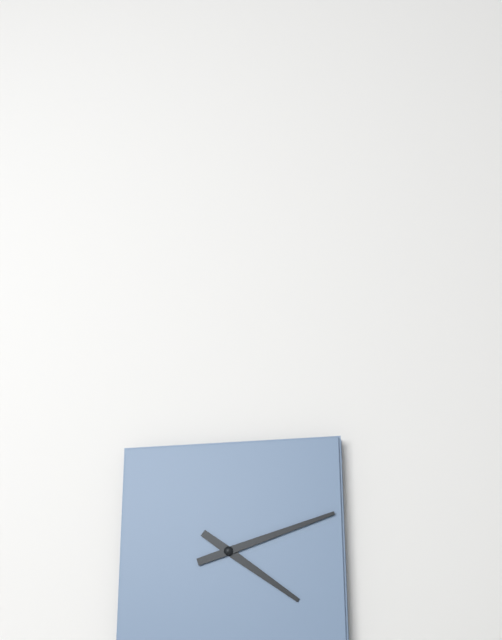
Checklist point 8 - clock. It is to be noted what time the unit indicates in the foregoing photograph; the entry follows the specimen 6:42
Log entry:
4:12
